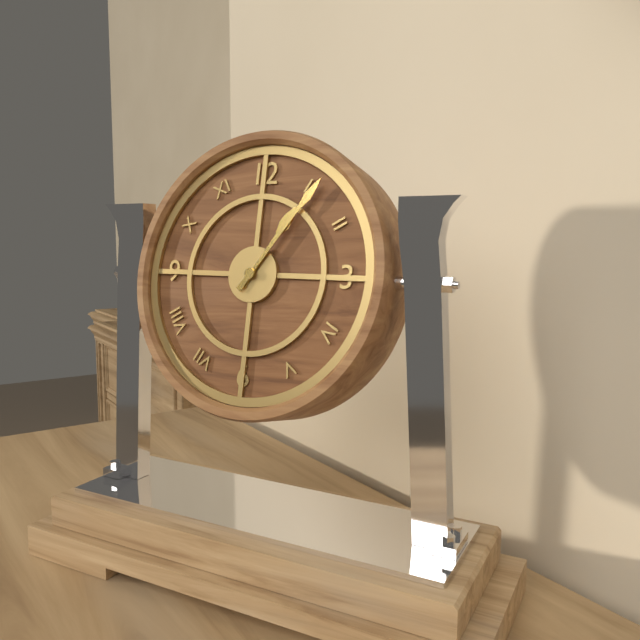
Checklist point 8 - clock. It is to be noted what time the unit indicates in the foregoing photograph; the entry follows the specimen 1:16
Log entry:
1:06
